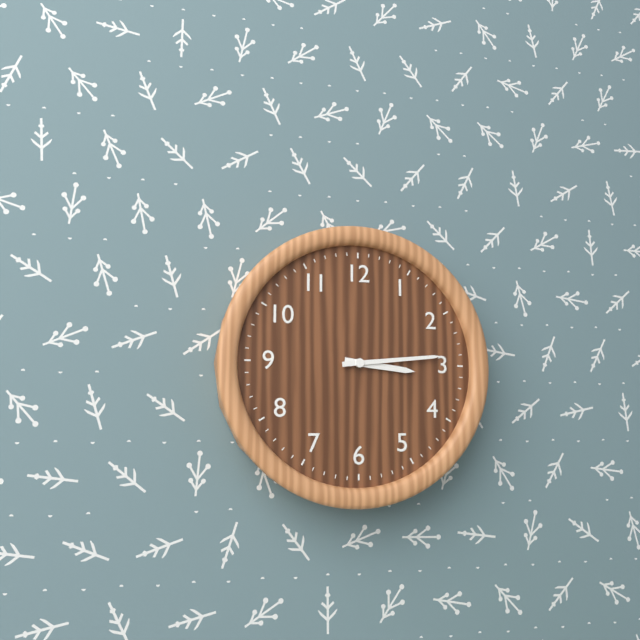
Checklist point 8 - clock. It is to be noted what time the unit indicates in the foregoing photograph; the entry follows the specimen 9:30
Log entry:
3:14
